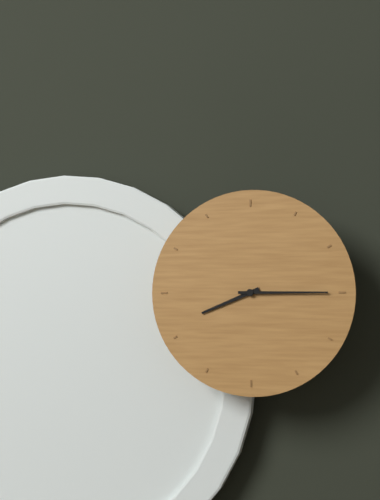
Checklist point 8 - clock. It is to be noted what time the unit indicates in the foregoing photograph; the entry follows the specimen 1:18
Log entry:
8:15
